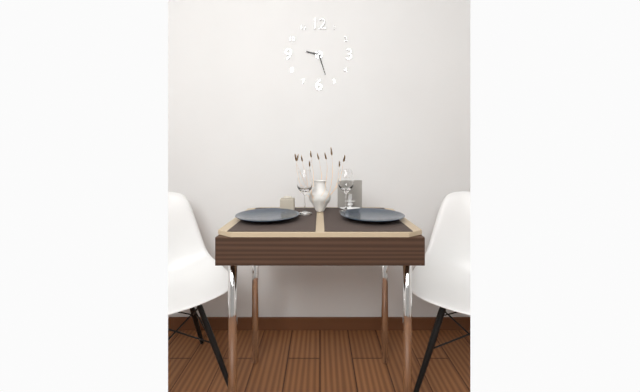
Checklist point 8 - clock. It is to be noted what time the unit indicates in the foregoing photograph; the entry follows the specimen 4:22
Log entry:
9:27
